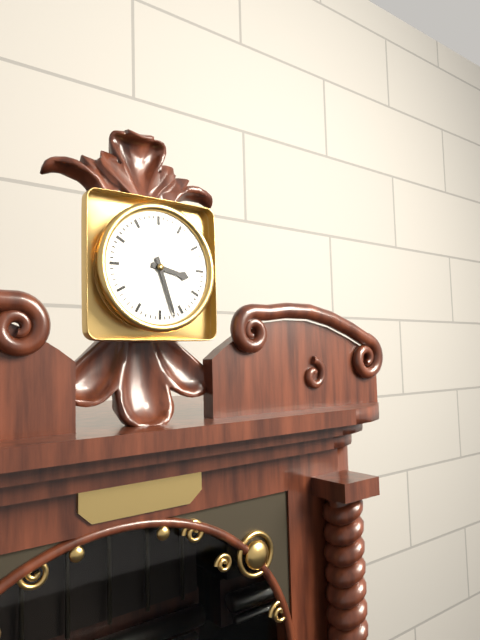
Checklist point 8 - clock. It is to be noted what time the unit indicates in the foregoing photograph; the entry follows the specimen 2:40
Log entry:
3:27
